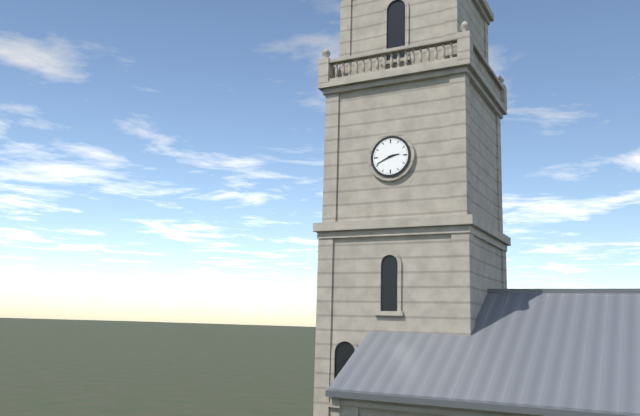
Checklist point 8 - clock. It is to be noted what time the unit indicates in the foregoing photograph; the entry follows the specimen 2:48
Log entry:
2:41
